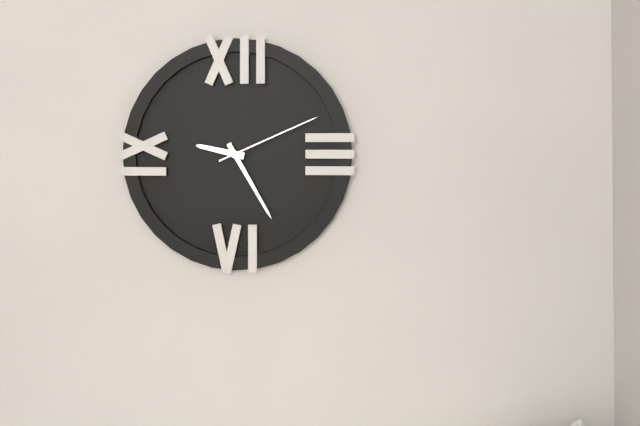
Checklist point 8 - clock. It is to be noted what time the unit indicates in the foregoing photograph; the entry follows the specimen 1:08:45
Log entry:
9:25:11
